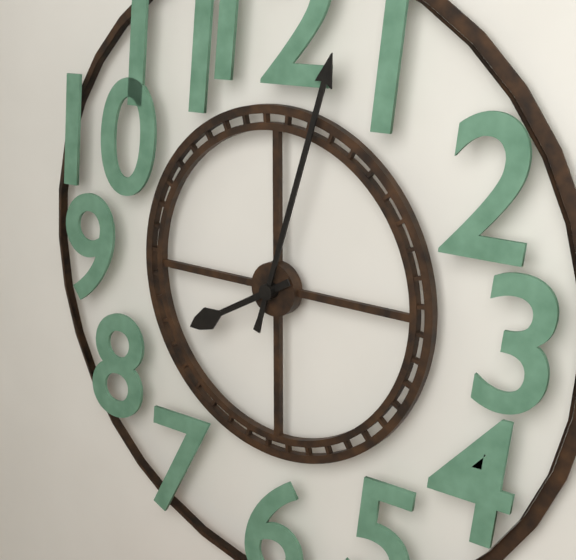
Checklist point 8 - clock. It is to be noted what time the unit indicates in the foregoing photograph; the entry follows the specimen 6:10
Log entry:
8:03
